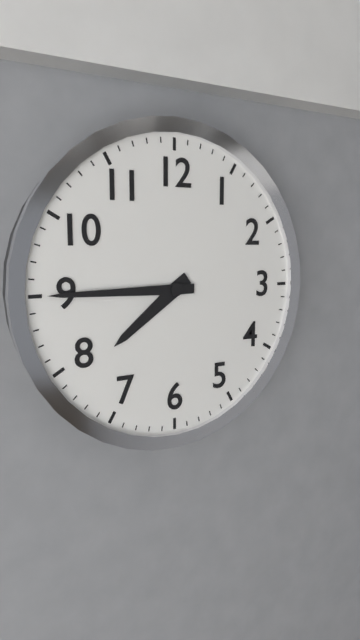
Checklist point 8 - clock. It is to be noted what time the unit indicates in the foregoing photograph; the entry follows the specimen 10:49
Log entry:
7:45
